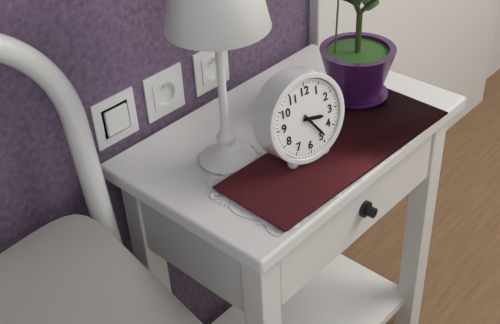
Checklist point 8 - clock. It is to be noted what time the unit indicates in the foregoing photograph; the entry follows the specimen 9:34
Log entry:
3:24
